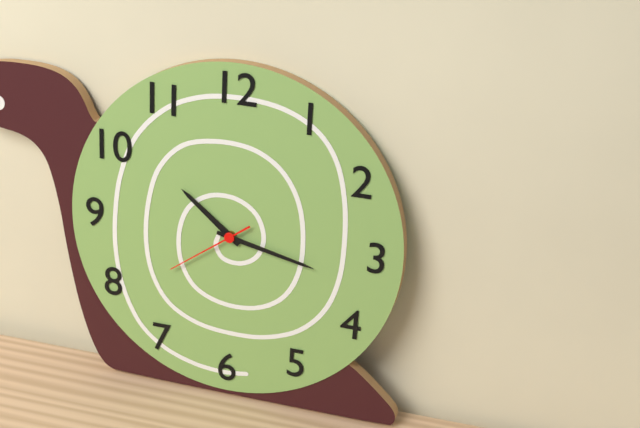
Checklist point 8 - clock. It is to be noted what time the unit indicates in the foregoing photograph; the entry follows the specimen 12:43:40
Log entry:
10:17:39
